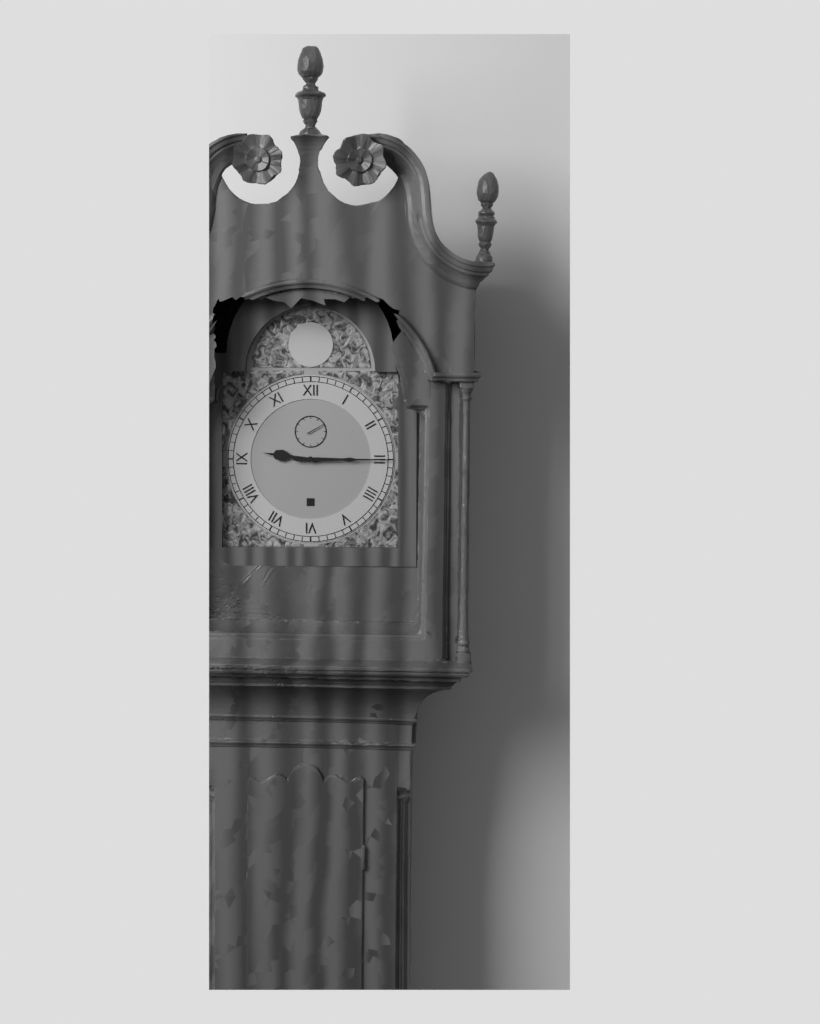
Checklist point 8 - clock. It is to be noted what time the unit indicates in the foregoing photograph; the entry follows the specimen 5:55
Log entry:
9:15
